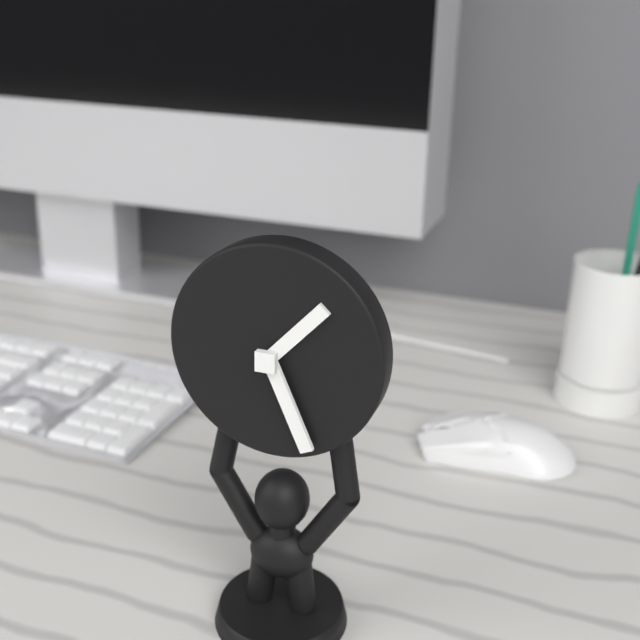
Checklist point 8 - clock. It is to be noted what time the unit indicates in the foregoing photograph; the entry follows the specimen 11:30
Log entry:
1:26
